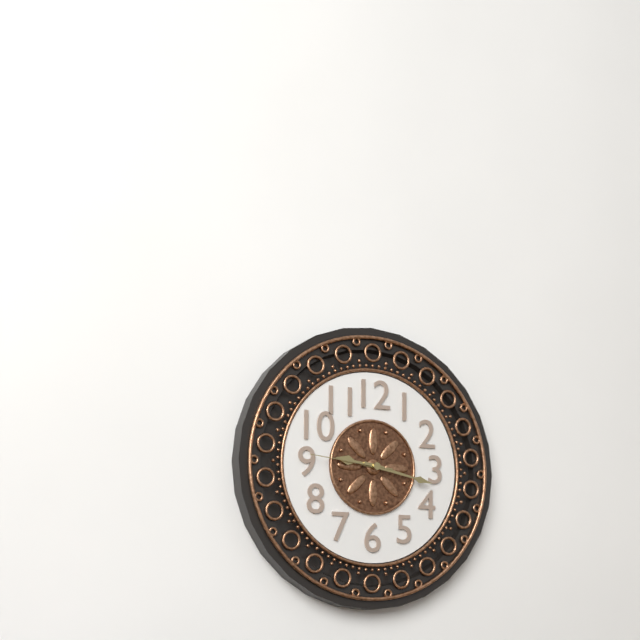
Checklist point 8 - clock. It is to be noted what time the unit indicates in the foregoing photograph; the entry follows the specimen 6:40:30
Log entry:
9:17:46
